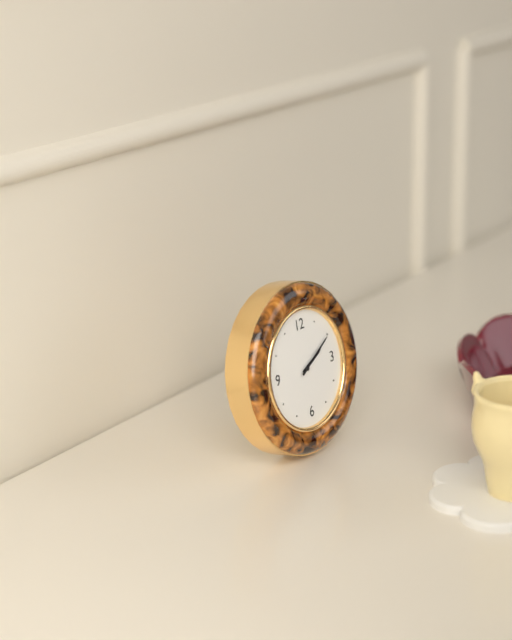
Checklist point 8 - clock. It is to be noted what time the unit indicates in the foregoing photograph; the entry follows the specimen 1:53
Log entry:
2:10
